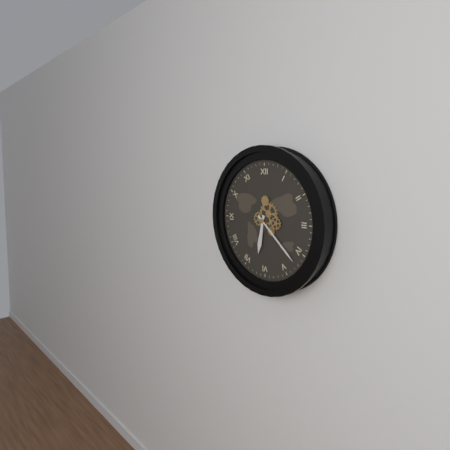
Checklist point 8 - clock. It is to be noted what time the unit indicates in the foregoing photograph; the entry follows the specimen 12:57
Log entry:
6:22
